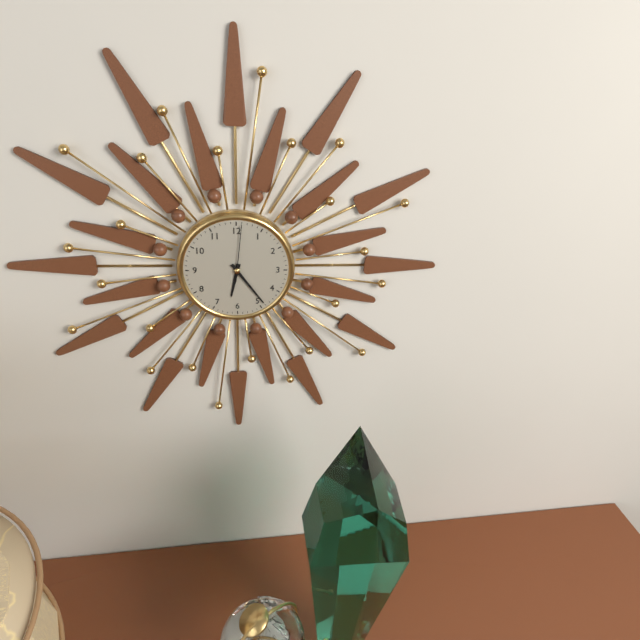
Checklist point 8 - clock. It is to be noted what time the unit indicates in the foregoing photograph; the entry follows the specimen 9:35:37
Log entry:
6:24:01
